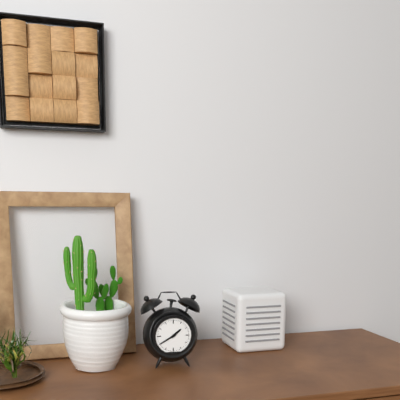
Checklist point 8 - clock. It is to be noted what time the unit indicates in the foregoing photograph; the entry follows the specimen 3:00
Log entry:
1:40
